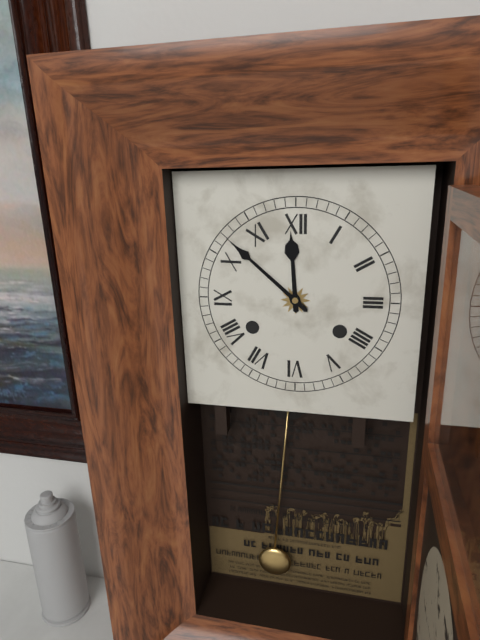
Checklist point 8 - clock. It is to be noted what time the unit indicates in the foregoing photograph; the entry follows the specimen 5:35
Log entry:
11:52
